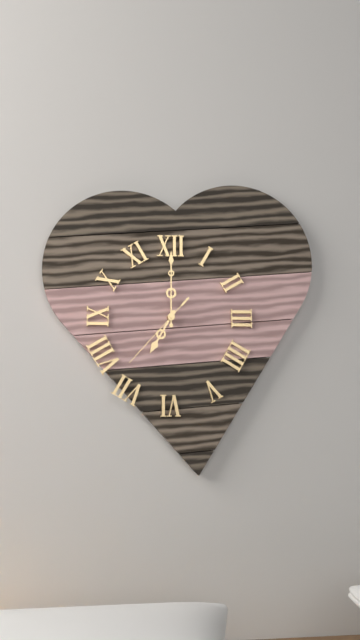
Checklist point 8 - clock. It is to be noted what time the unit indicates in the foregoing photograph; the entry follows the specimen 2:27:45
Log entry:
7:00:37
